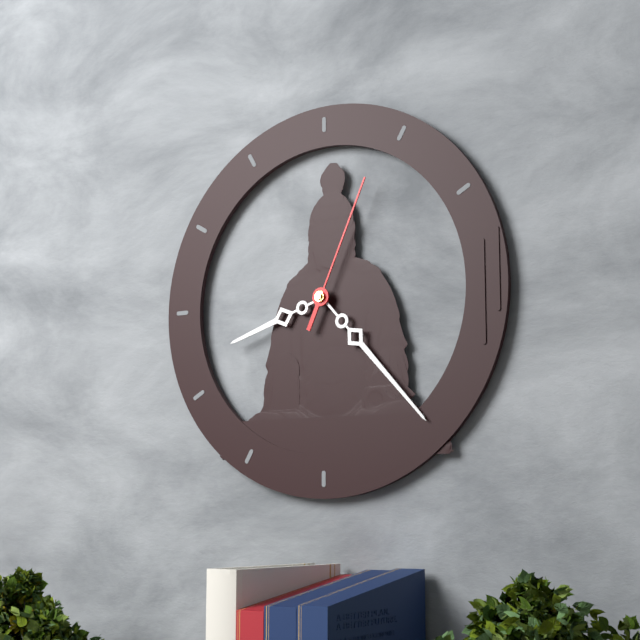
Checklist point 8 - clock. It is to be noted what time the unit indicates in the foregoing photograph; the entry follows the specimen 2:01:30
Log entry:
8:23:04
